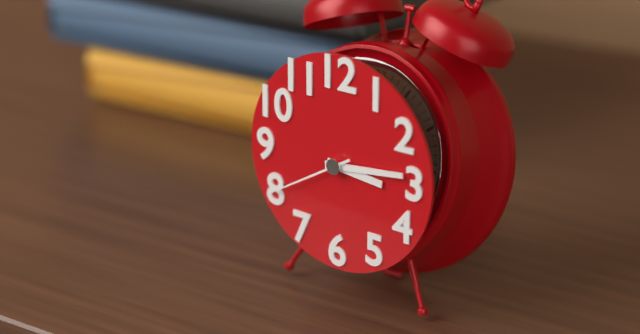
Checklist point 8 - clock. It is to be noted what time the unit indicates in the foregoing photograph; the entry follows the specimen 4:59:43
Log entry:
3:14:40
